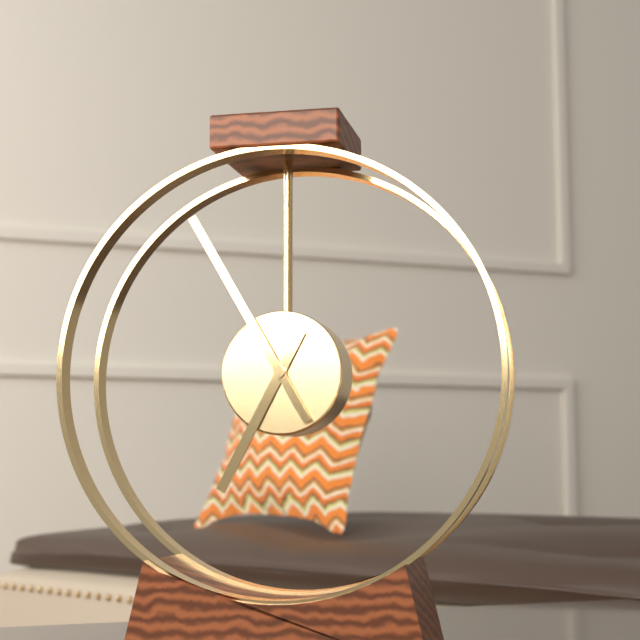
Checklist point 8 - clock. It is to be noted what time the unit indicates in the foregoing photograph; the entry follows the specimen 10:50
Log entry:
6:55
